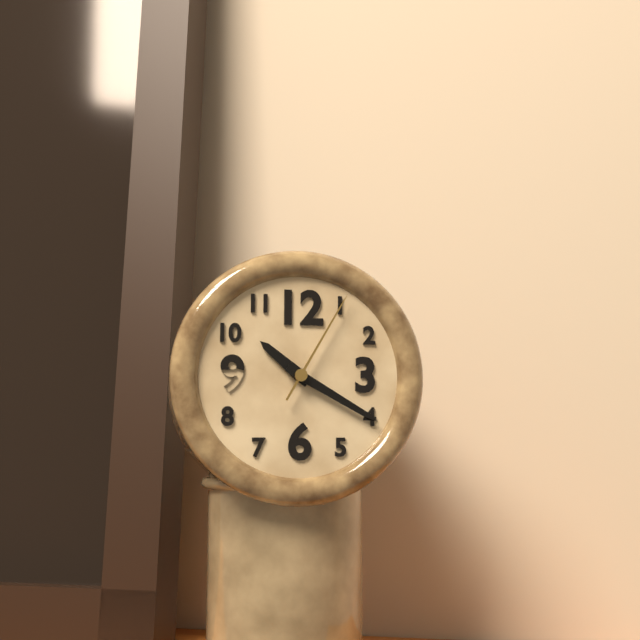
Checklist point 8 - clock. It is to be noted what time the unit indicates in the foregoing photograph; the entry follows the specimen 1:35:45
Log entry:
10:20:05
